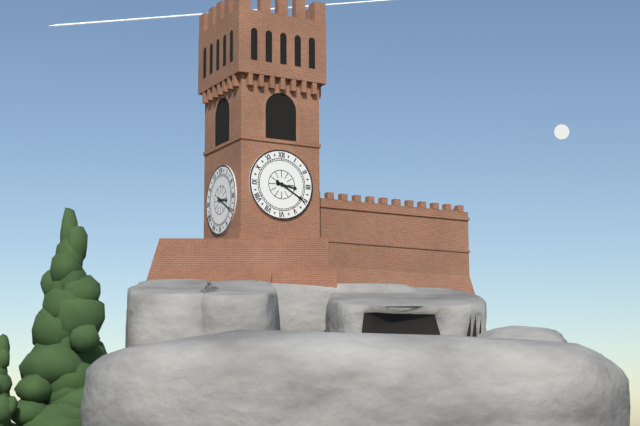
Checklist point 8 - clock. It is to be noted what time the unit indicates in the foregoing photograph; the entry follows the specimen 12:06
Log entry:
3:20
